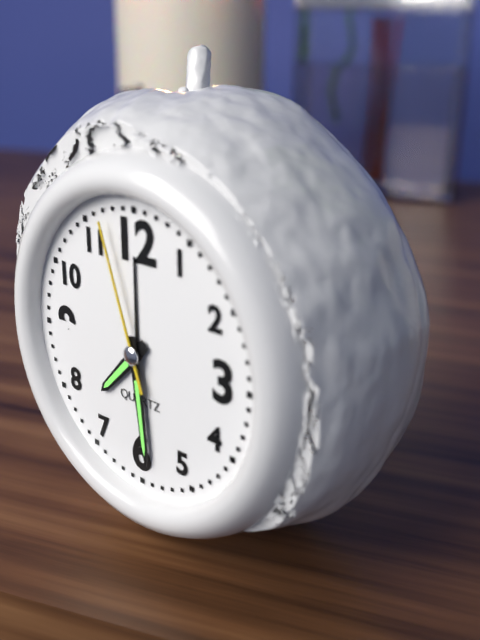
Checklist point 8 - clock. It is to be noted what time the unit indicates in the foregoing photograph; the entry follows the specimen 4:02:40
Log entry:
7:29:57
